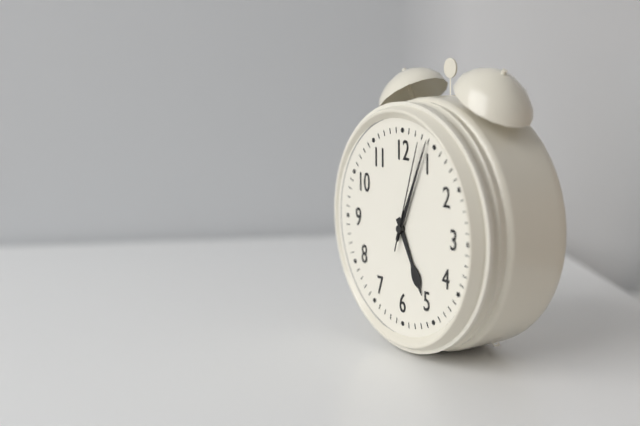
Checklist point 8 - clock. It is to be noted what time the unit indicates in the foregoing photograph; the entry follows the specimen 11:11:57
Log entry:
5:04:03
